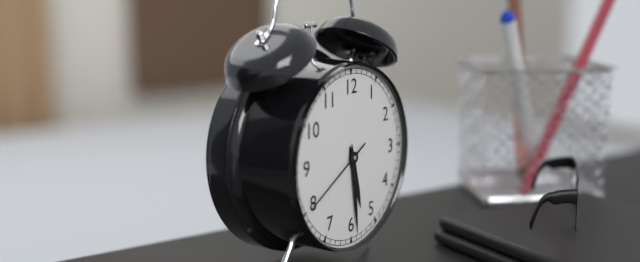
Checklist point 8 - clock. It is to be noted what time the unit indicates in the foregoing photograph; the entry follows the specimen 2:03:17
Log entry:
5:29:40
